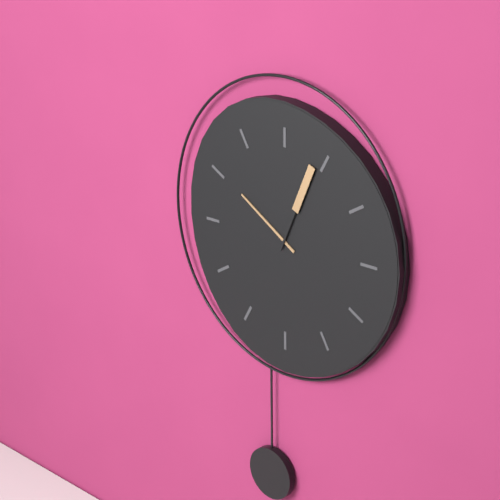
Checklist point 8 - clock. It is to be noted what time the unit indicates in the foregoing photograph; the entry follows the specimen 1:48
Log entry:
10:04
